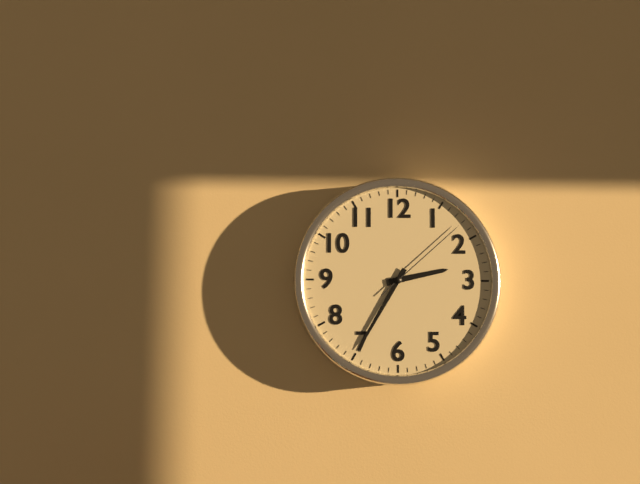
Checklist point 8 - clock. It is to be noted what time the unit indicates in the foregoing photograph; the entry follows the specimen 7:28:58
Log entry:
2:35:08
